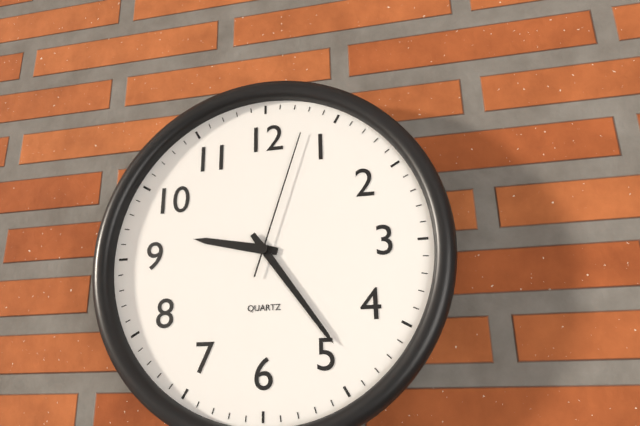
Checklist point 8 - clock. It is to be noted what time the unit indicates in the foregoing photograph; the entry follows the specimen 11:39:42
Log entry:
9:24:03
